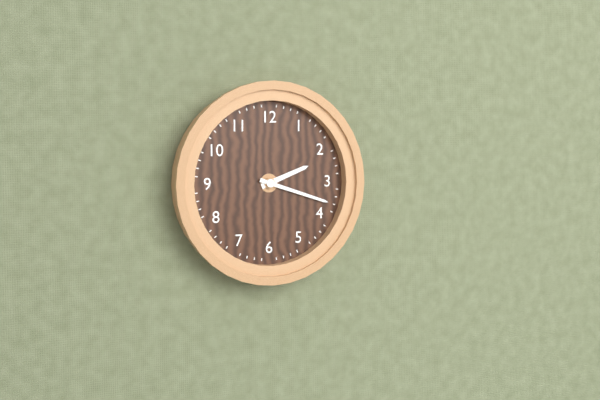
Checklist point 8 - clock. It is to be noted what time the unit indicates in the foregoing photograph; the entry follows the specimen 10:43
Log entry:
2:18
